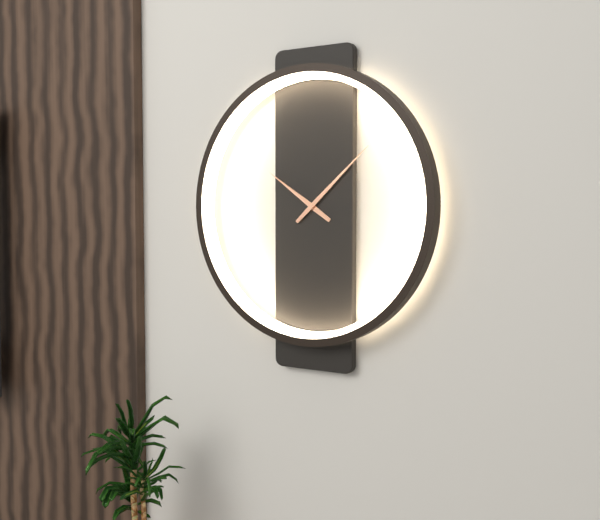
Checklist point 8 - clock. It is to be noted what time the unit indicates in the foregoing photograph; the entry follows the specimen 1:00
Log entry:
10:08
